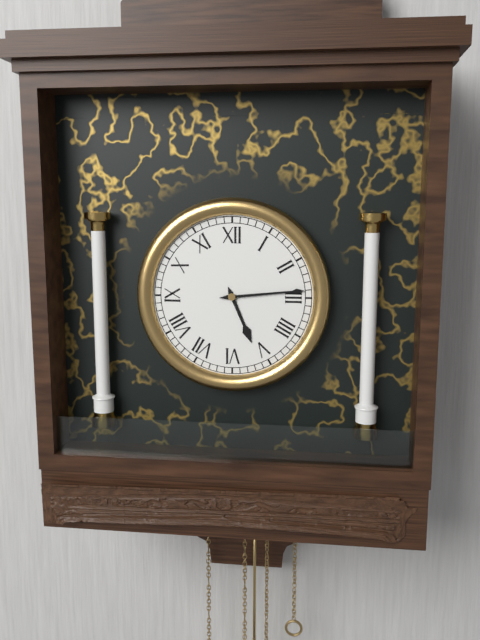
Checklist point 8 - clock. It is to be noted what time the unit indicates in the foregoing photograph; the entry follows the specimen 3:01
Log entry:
5:14
